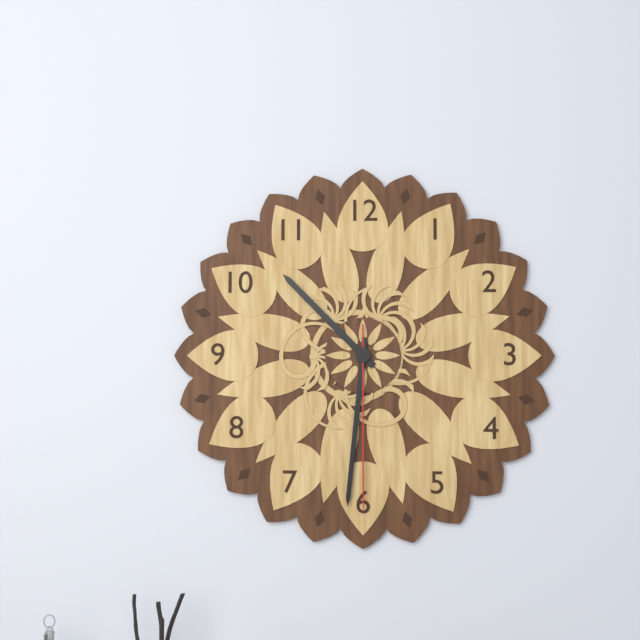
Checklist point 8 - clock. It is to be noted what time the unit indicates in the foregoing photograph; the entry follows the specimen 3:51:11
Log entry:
10:31:30
